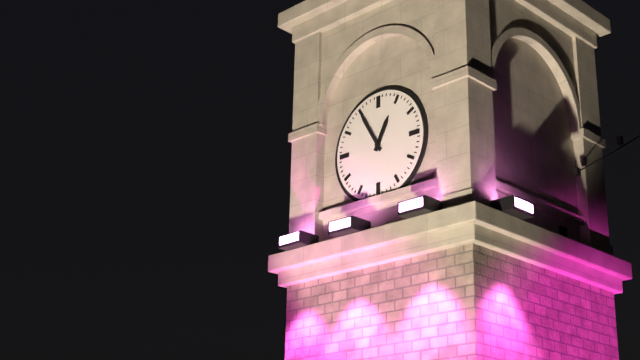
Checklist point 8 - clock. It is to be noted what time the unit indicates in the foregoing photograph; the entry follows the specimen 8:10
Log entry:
12:55
